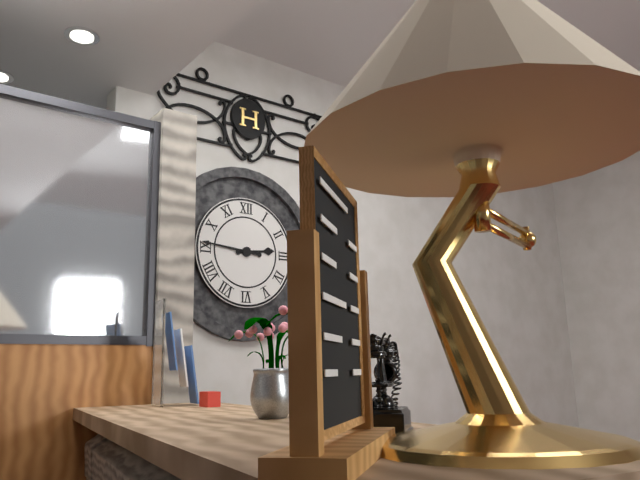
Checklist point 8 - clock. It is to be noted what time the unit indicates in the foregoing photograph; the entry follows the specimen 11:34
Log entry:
2:46
